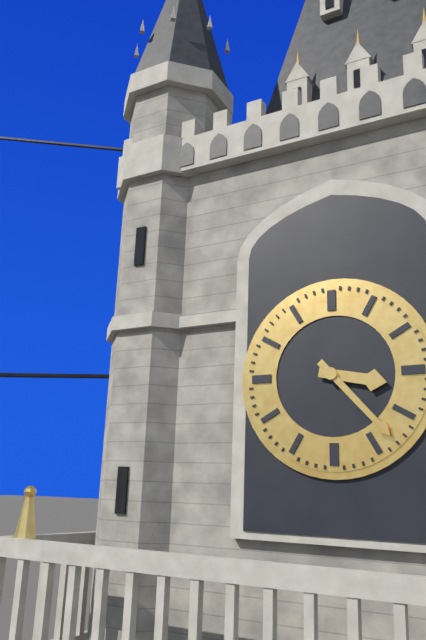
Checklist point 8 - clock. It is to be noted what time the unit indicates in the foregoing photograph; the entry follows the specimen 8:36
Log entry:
3:23
